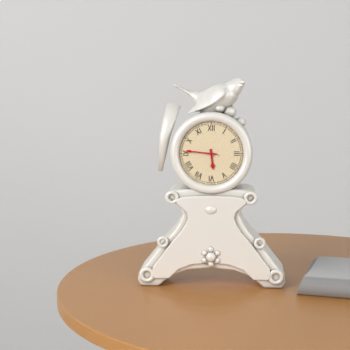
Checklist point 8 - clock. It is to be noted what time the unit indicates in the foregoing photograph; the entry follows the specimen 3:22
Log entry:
5:46
